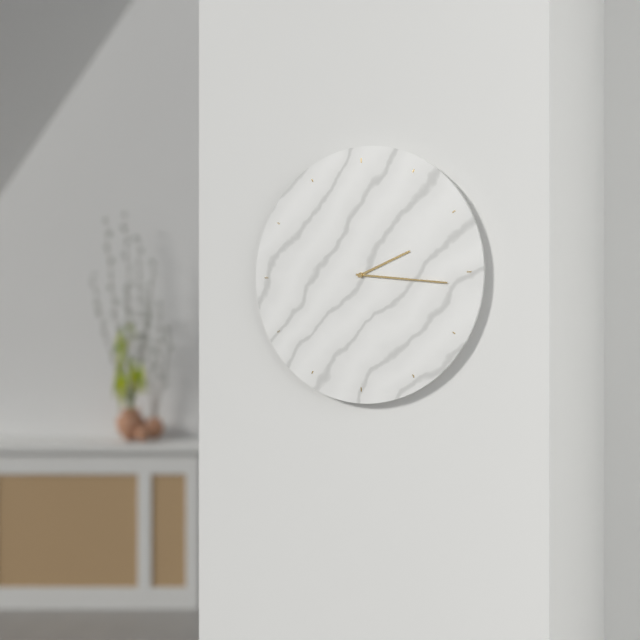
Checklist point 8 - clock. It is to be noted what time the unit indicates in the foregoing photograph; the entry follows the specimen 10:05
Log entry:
2:16
